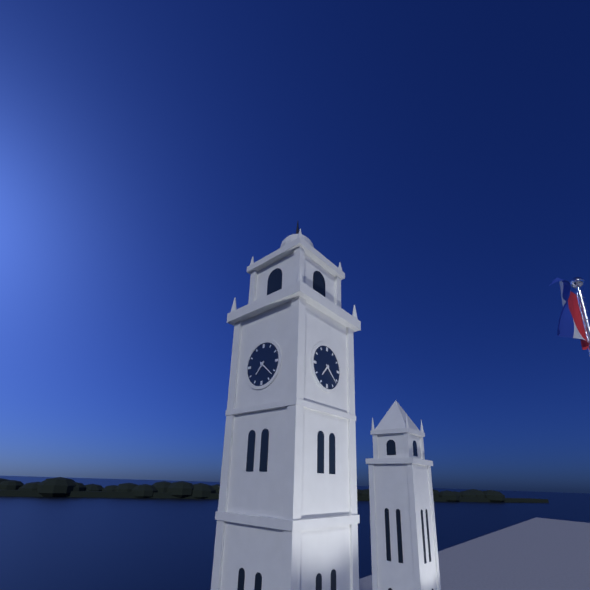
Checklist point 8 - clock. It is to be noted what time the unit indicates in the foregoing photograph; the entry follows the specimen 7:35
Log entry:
7:22
